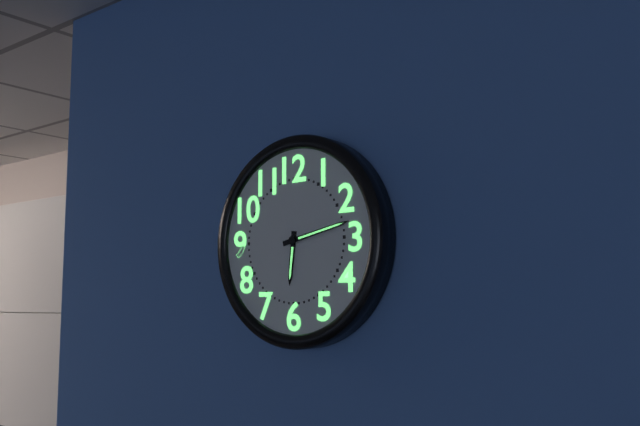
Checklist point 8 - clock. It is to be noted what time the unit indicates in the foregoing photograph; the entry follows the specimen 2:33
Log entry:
6:13
